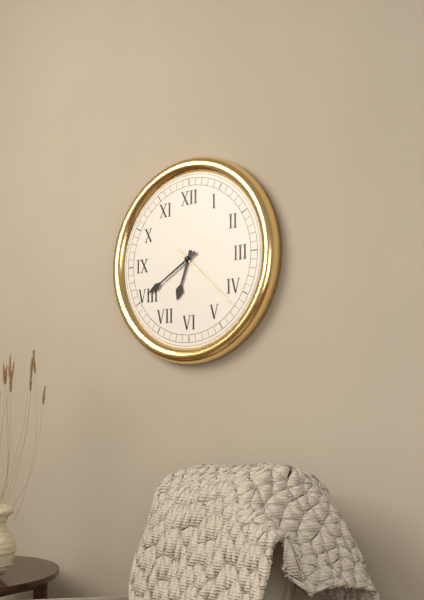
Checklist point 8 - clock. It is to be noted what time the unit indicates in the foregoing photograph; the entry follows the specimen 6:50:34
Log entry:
6:40:22
